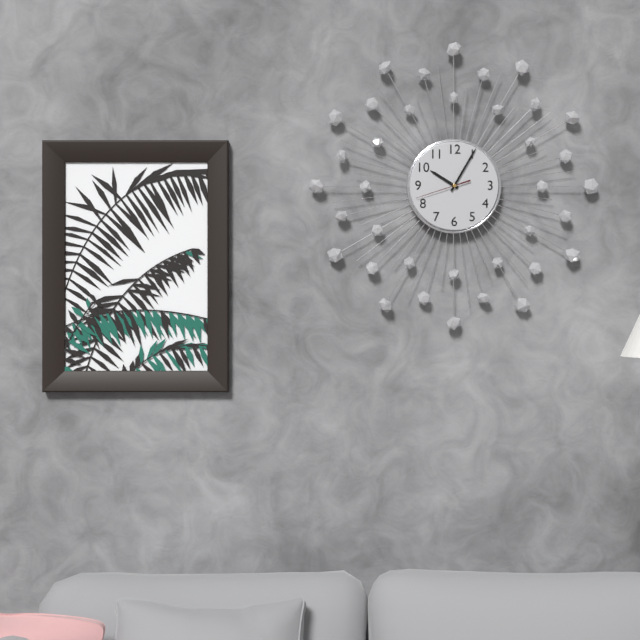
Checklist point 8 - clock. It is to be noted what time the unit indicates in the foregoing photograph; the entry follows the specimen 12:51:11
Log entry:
10:05:42
